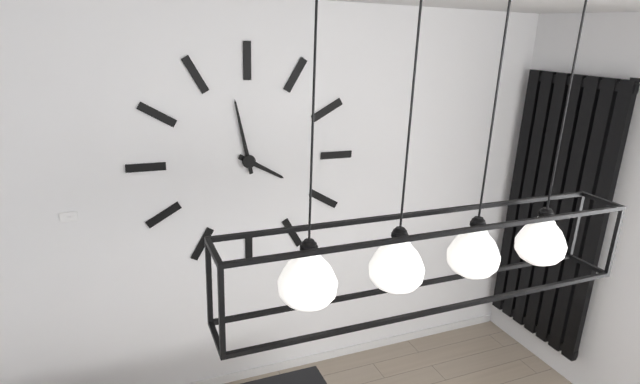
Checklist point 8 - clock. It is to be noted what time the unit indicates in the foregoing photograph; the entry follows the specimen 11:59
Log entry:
3:58
